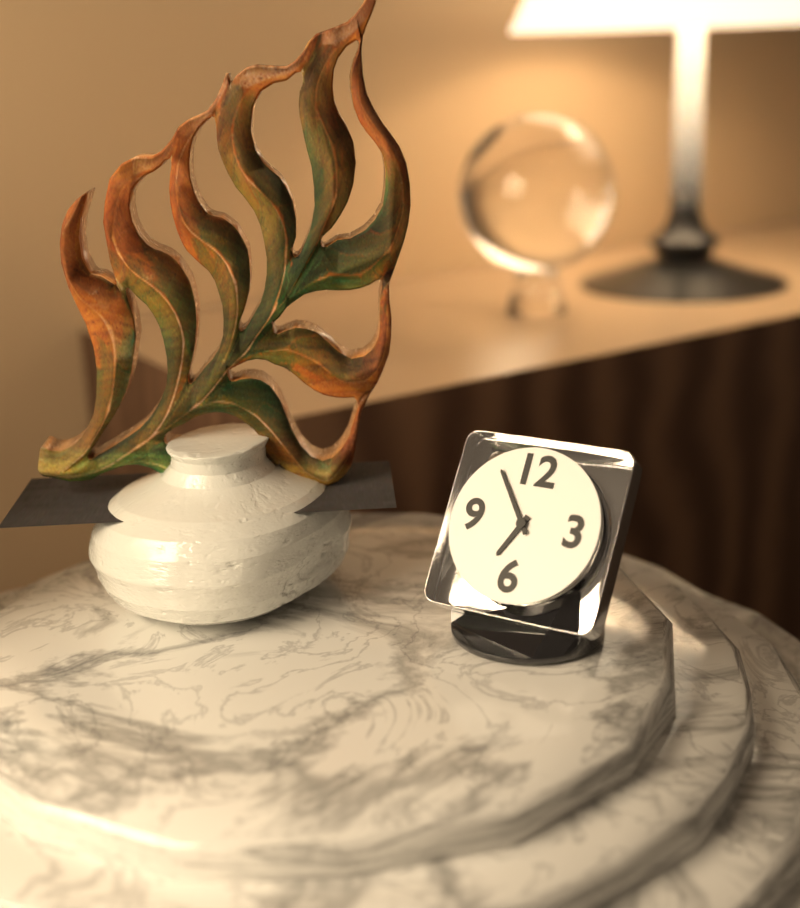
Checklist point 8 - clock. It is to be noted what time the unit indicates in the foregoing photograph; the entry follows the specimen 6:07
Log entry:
6:54
